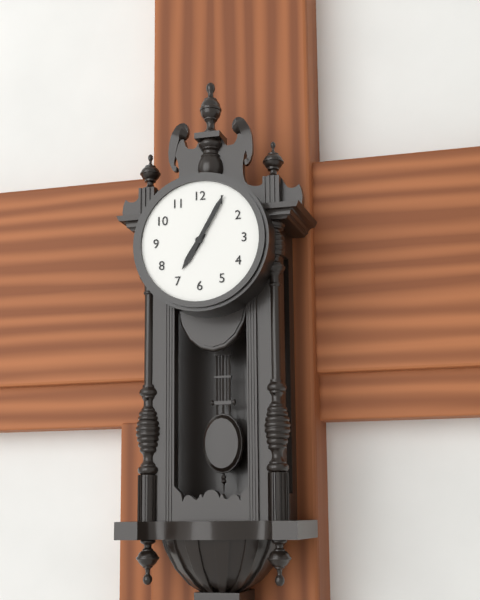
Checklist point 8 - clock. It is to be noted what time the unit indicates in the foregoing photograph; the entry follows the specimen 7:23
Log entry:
7:05
